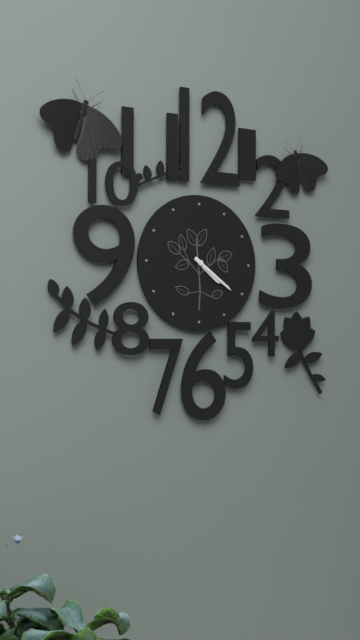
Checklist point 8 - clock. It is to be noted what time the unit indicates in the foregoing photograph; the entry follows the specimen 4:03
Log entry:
4:21
